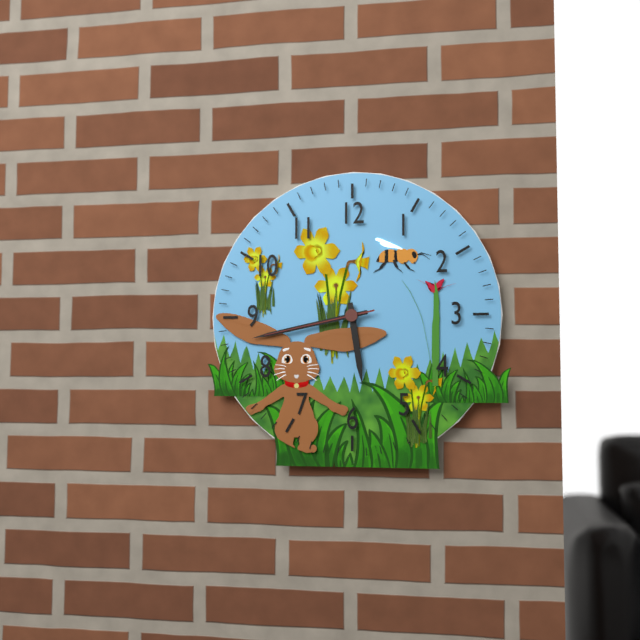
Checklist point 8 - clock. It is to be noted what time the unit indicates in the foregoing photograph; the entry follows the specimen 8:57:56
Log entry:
5:43:43
